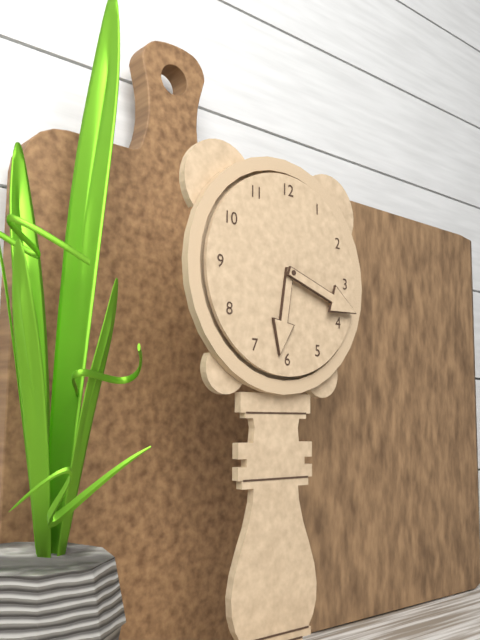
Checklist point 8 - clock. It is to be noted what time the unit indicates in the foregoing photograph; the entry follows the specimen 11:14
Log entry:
6:18
